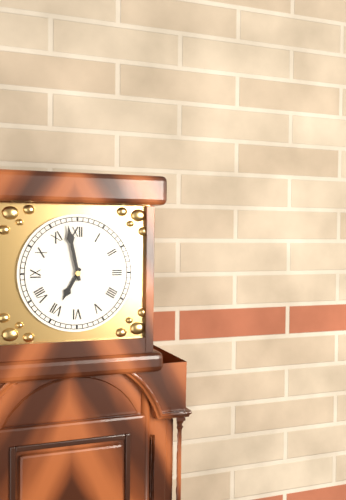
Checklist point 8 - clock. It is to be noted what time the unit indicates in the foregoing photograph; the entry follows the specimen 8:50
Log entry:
6:58
